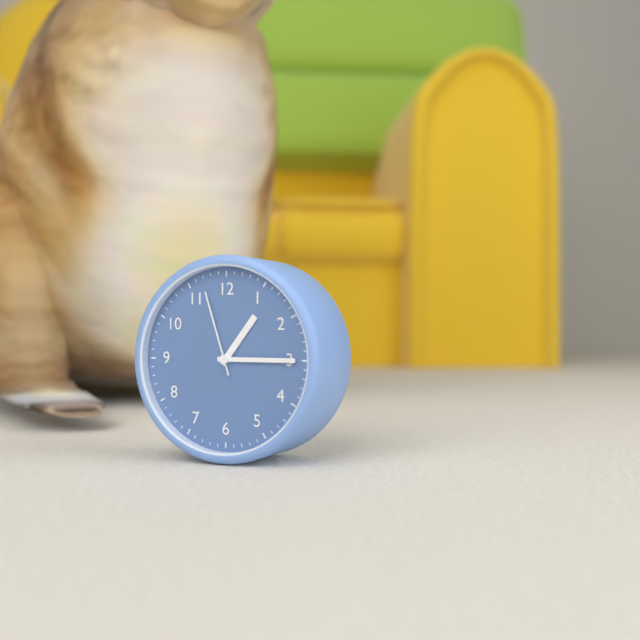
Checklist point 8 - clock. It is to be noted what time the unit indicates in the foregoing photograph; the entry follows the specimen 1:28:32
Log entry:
1:15:57
